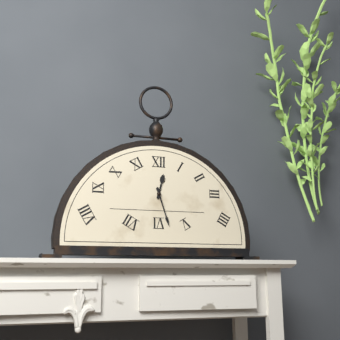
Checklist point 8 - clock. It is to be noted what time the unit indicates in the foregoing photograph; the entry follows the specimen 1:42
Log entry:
12:27
